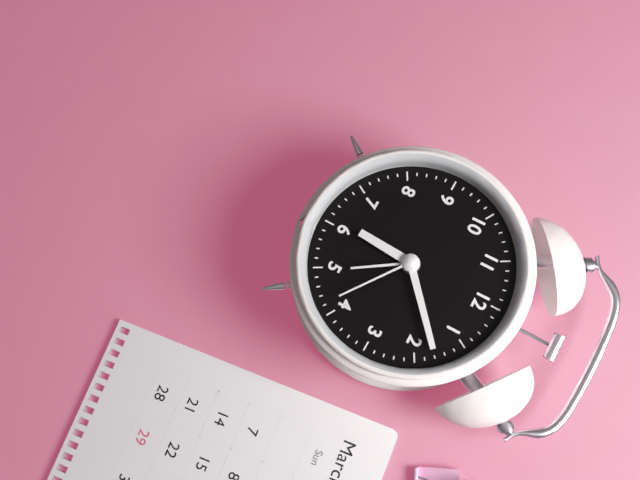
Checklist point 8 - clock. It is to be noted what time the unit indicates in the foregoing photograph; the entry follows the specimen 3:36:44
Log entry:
6:08:21
